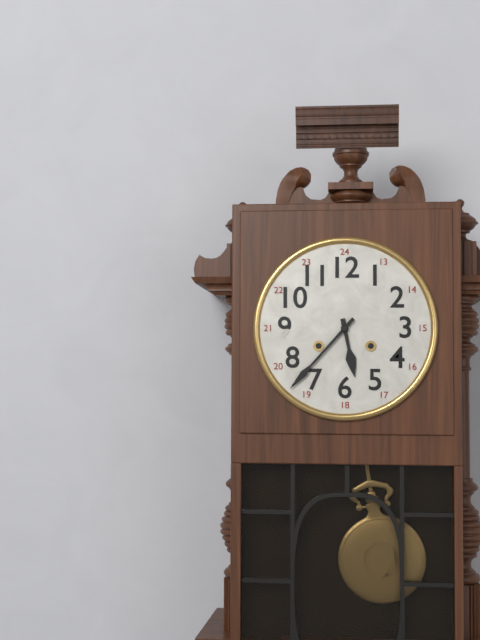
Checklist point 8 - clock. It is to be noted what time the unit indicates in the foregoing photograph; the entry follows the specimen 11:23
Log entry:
5:37
